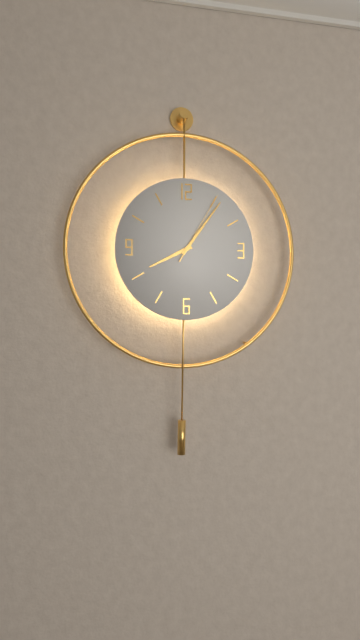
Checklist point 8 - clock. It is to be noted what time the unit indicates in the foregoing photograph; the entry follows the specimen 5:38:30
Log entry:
8:06:05
